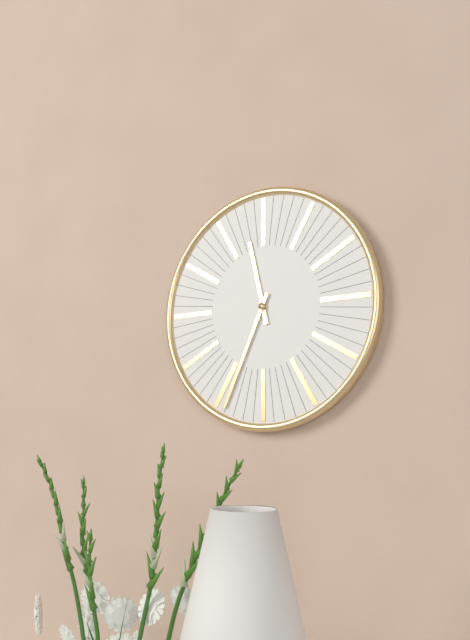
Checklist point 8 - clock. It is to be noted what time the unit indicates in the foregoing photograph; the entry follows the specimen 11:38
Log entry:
11:34
